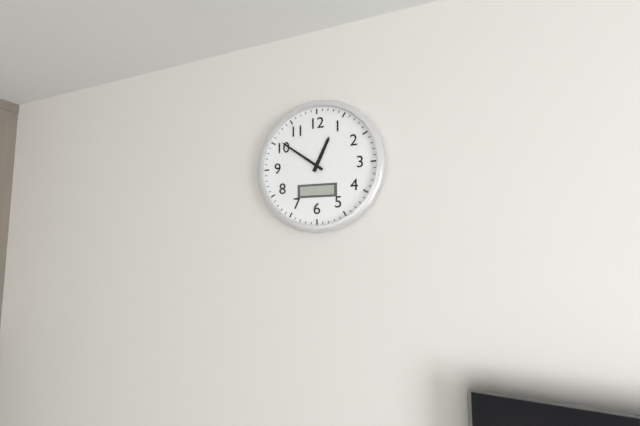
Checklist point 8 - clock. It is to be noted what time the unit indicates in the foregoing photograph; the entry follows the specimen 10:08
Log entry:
12:51
